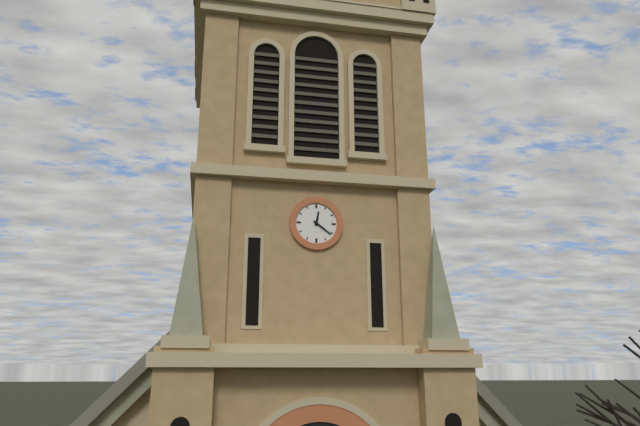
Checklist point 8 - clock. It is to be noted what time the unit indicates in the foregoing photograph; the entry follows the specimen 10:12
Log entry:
12:21
